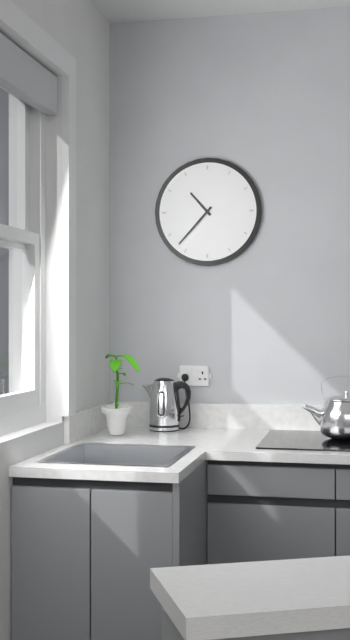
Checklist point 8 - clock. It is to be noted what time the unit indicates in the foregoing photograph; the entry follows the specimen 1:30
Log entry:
10:37
